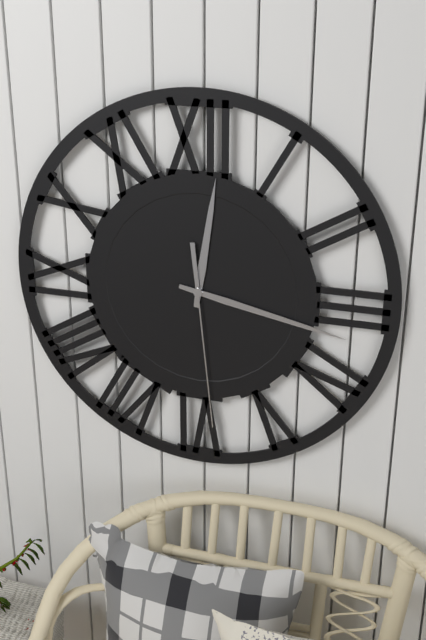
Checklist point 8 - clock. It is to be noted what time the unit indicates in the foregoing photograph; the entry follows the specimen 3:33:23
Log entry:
12:17:29
